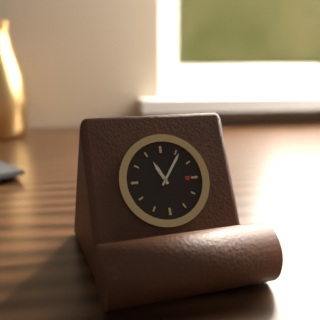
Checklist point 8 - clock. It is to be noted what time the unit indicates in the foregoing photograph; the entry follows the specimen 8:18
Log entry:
11:06
